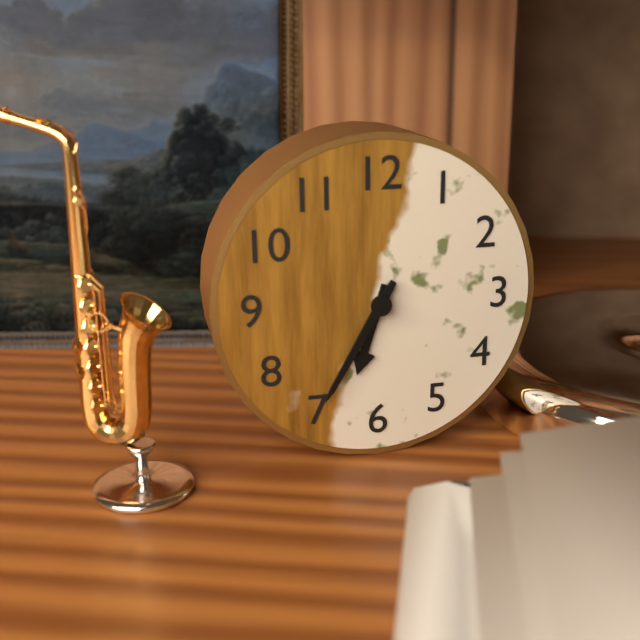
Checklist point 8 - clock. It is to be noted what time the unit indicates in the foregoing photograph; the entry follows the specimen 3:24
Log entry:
6:35
